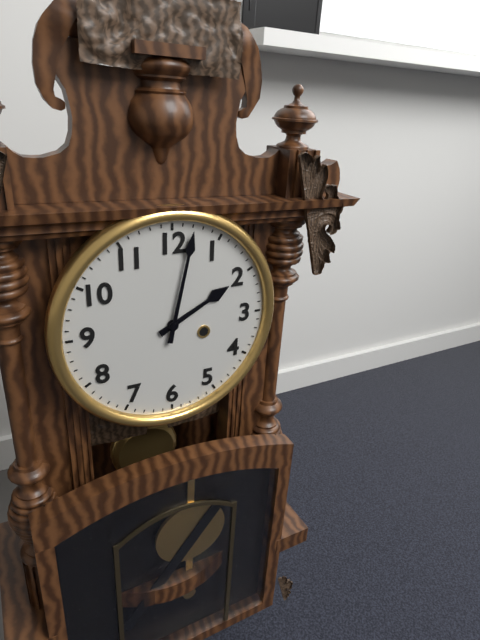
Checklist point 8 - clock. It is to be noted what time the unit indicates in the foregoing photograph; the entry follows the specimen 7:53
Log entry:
2:02
